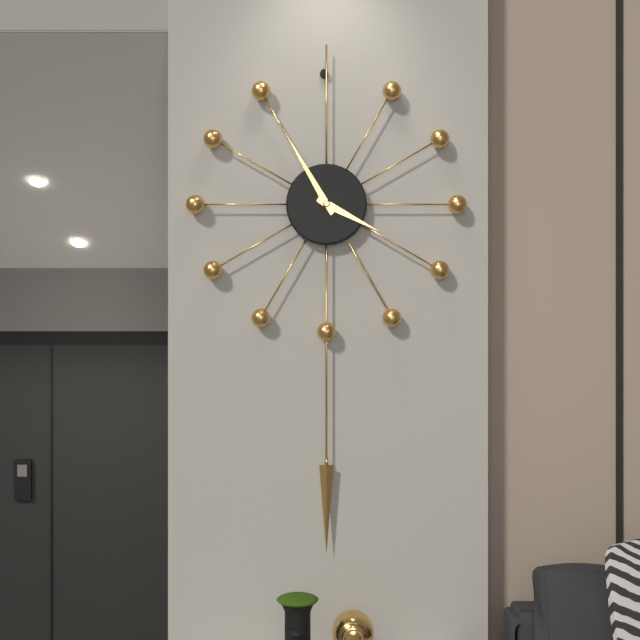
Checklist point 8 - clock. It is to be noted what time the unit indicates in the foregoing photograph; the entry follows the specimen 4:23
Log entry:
3:55
